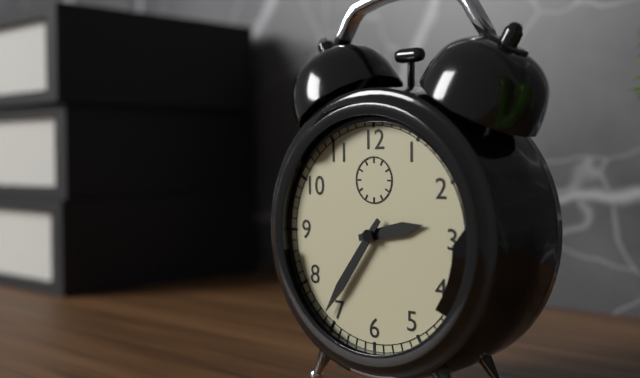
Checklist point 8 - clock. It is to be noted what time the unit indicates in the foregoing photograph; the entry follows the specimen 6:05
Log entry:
2:36
